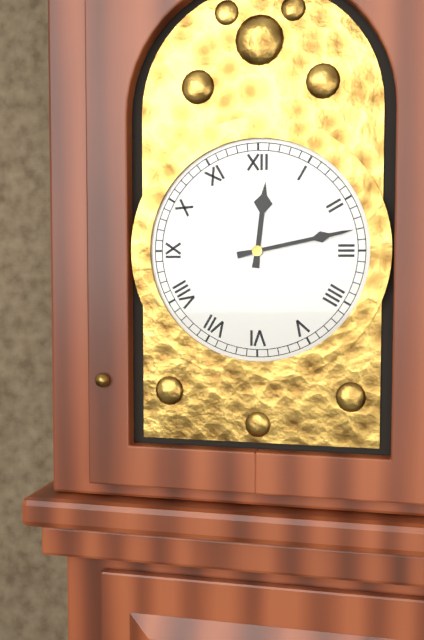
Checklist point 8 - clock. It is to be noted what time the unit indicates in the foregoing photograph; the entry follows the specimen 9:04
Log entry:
12:13
